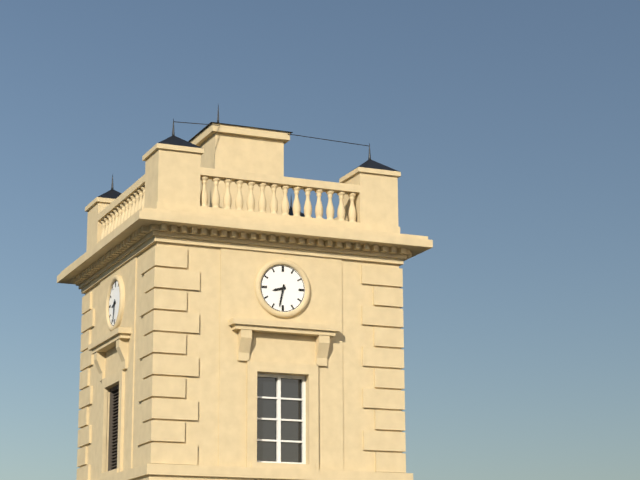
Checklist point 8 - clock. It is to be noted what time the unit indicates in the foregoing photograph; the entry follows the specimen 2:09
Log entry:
8:32
